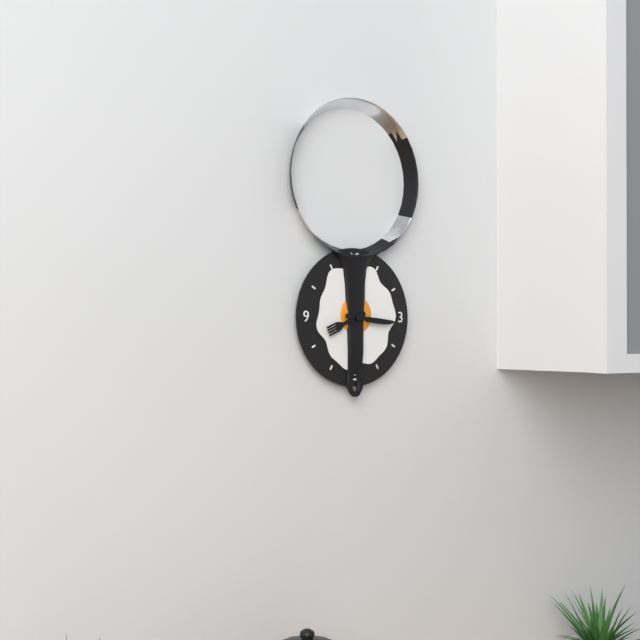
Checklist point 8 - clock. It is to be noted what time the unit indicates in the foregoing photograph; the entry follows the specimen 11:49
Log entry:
8:16
